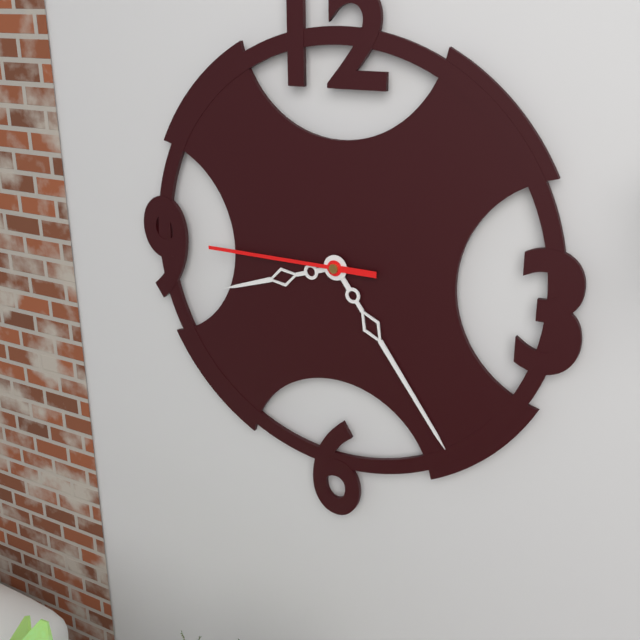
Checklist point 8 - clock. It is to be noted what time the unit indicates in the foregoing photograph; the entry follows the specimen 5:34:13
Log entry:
8:24:45
